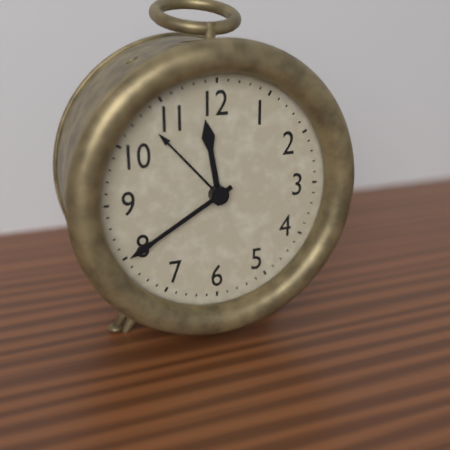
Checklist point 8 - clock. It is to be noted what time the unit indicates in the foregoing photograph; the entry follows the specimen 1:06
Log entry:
11:40
